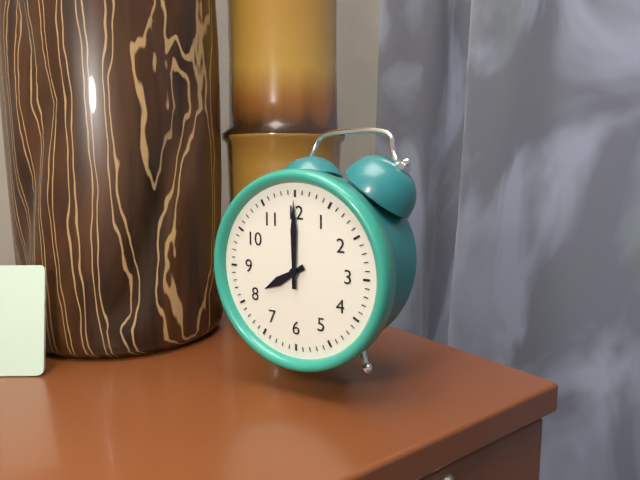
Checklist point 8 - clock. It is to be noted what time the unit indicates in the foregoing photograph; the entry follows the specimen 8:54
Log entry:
8:00
